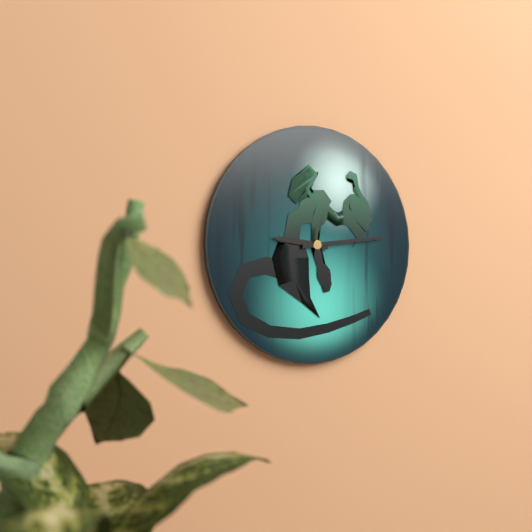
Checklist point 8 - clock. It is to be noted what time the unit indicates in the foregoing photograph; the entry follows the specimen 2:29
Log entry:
9:14
